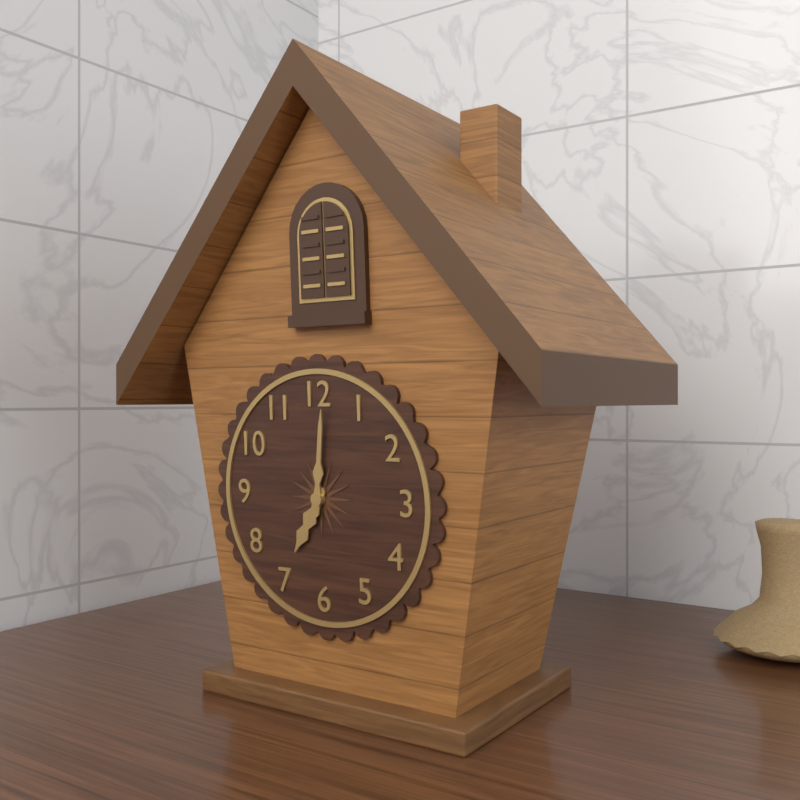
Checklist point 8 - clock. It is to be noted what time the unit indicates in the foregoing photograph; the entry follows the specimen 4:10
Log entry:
7:01
